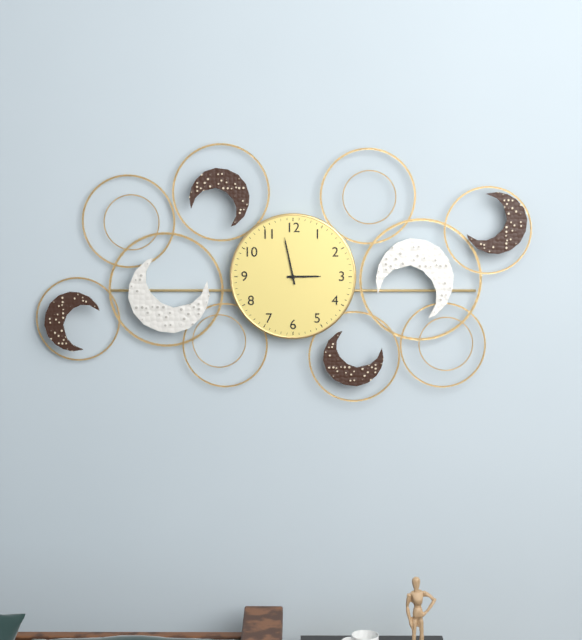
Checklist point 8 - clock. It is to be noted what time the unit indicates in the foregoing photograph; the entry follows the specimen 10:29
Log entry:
2:58
